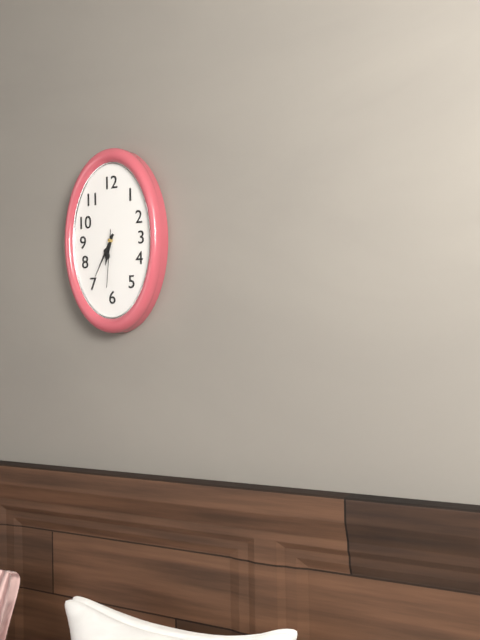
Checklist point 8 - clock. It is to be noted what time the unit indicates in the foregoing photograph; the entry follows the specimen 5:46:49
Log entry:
6:35:31
